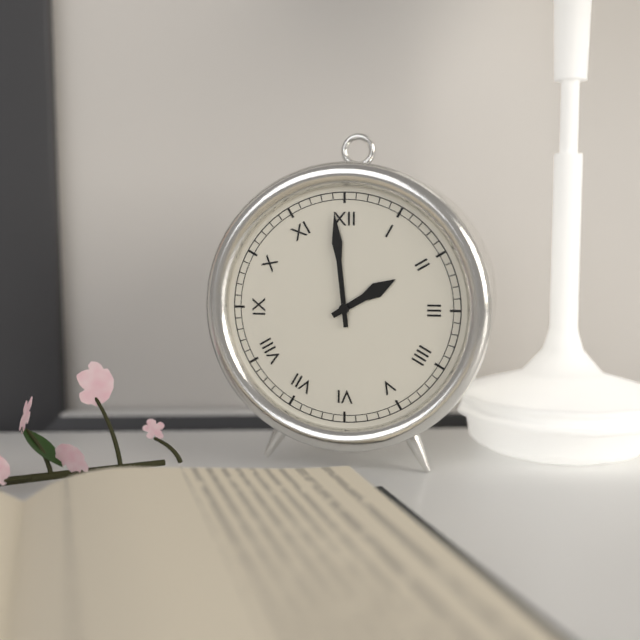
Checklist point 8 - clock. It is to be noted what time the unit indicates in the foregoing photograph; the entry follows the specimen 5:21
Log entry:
1:59
